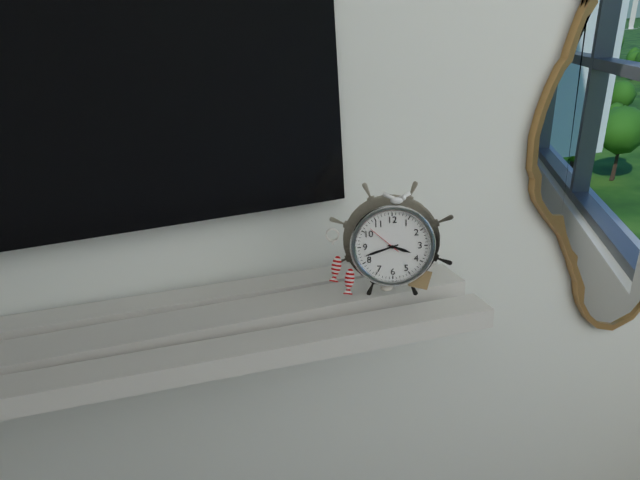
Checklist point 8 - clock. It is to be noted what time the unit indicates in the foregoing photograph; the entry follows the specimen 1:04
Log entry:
3:42
